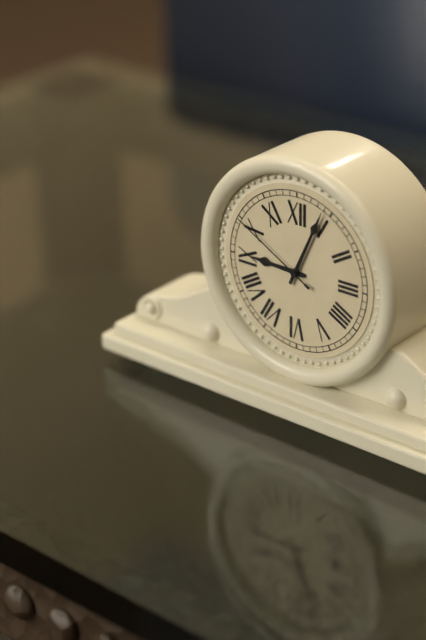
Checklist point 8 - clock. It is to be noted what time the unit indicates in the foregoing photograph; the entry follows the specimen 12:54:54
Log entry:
9:04:50
